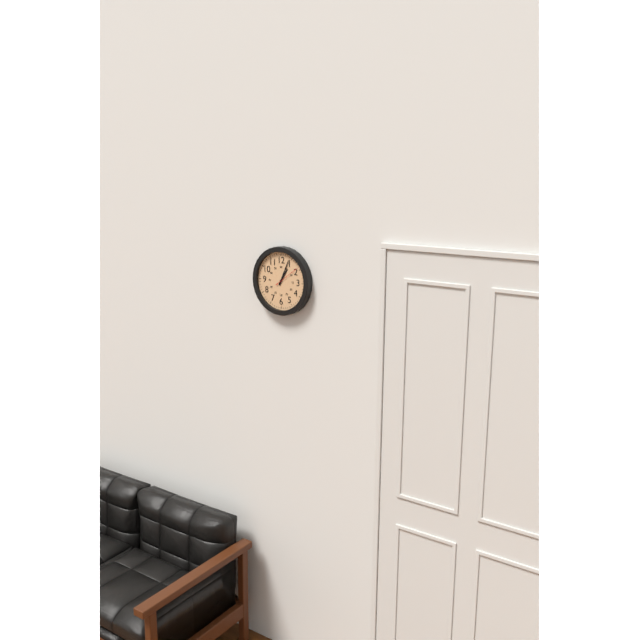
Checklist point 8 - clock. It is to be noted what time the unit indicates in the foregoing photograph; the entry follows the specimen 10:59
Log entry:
1:04
